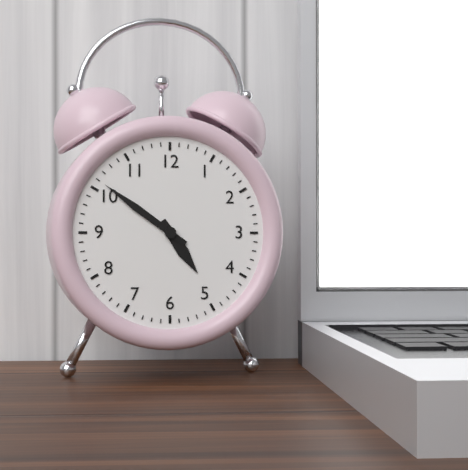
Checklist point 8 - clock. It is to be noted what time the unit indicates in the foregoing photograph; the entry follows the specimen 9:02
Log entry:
4:51
